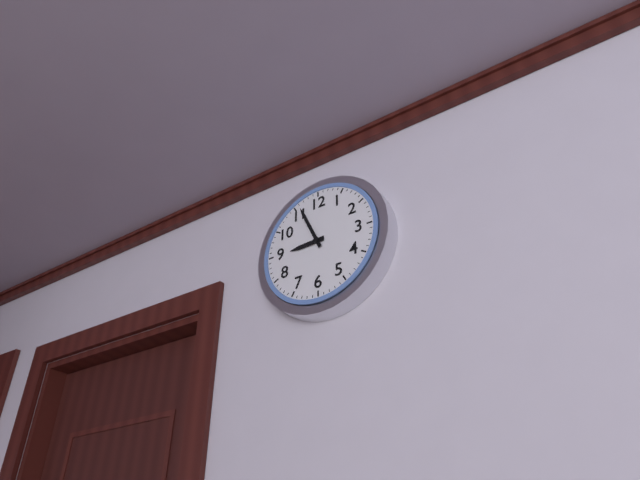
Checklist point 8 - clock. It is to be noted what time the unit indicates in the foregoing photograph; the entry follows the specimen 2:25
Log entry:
8:56
